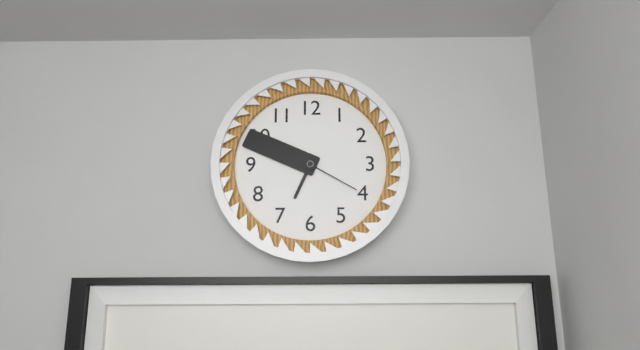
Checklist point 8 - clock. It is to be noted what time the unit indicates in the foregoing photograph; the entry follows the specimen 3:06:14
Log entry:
6:49:20
